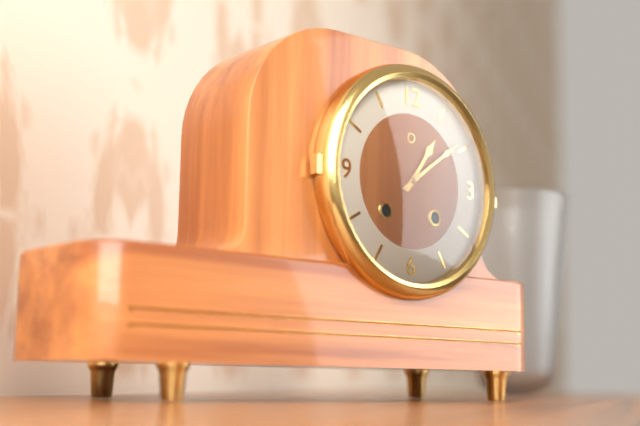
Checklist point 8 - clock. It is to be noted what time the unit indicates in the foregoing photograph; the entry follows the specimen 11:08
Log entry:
1:09
